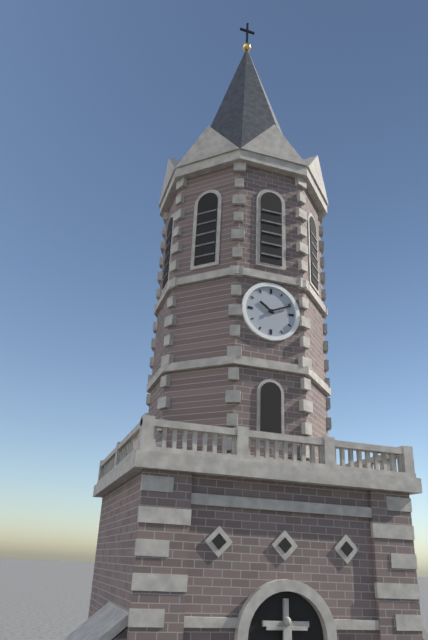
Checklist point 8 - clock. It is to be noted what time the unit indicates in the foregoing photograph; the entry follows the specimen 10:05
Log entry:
10:11
